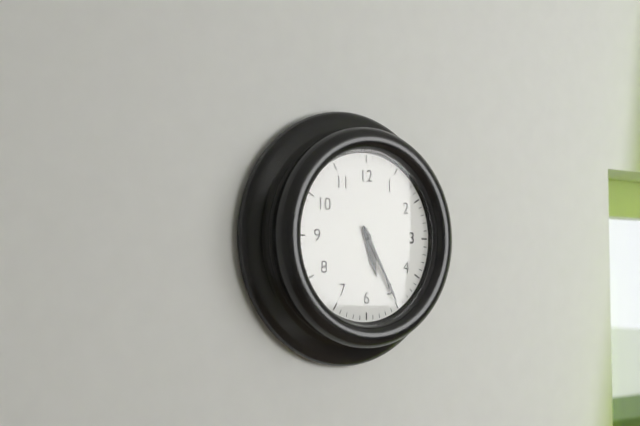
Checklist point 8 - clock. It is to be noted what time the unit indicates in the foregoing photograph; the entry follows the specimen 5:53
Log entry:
5:25
